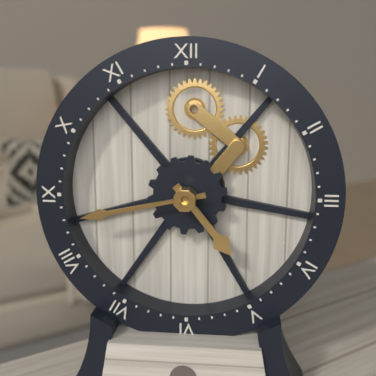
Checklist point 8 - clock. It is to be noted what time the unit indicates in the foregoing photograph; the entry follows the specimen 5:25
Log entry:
4:43
